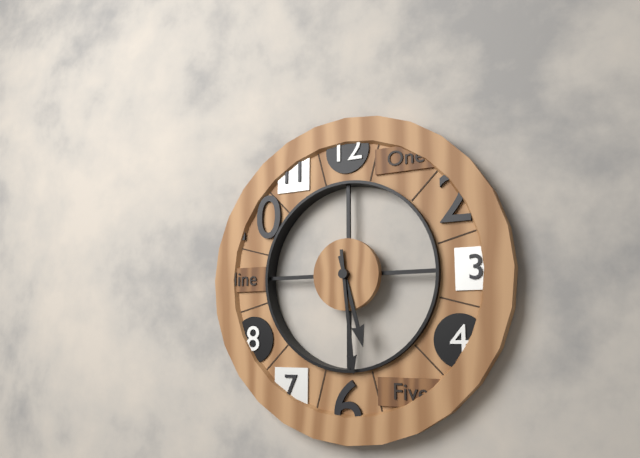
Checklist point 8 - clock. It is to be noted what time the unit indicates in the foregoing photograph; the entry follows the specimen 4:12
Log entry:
5:29
